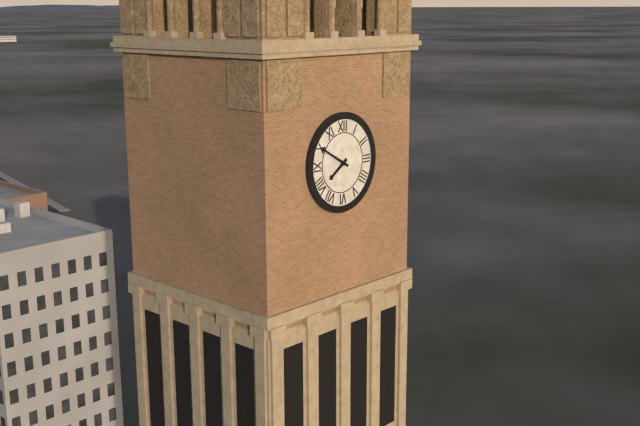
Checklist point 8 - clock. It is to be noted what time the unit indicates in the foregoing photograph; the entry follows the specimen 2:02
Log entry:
7:50
